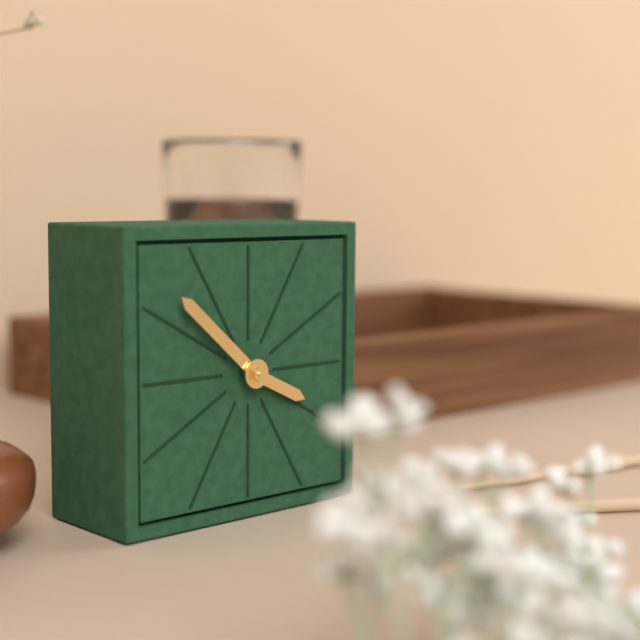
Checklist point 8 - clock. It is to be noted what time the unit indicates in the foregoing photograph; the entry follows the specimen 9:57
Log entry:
3:52
